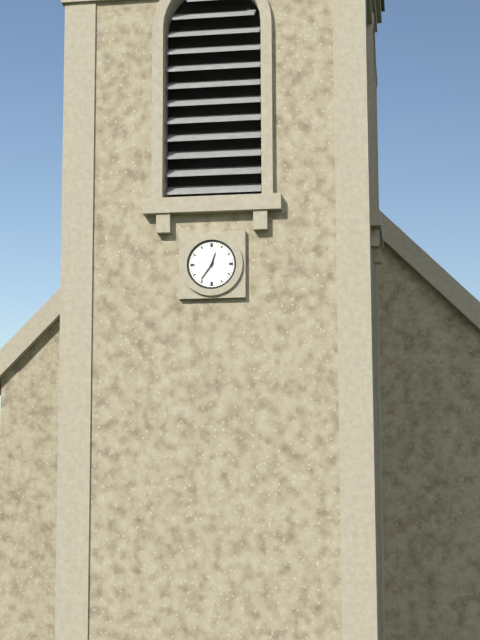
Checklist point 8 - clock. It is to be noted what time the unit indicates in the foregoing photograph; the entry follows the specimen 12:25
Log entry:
12:36
